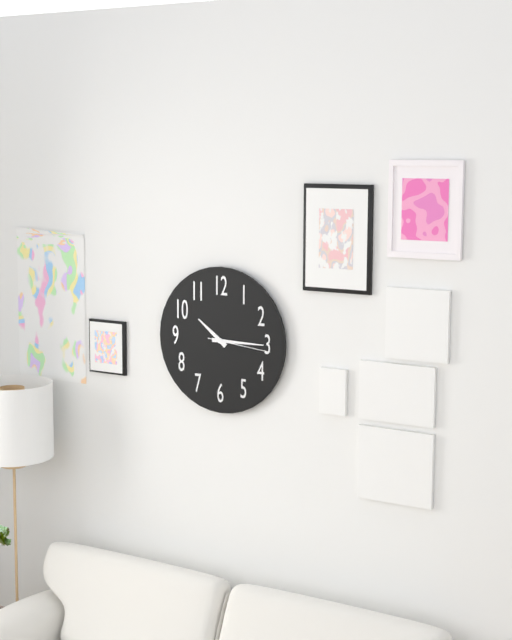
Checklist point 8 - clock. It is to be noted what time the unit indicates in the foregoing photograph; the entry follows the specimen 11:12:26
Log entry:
10:15:16
